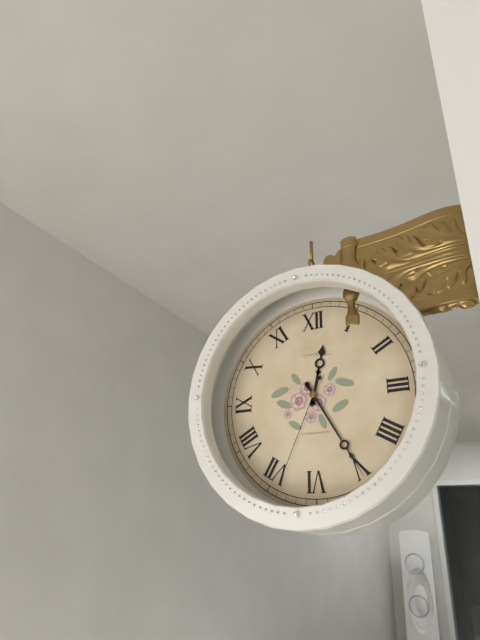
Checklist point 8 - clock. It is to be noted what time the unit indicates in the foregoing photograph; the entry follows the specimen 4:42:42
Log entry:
12:25:34
